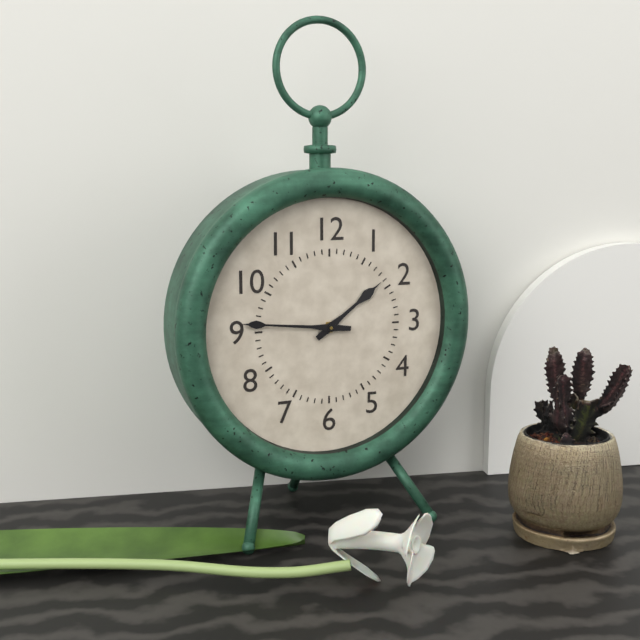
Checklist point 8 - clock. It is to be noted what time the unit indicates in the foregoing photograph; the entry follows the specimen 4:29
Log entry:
1:46
